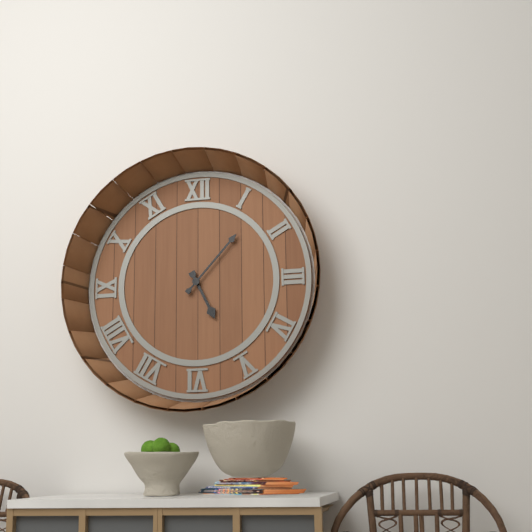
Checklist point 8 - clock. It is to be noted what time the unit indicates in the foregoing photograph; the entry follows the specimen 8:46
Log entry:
5:07
